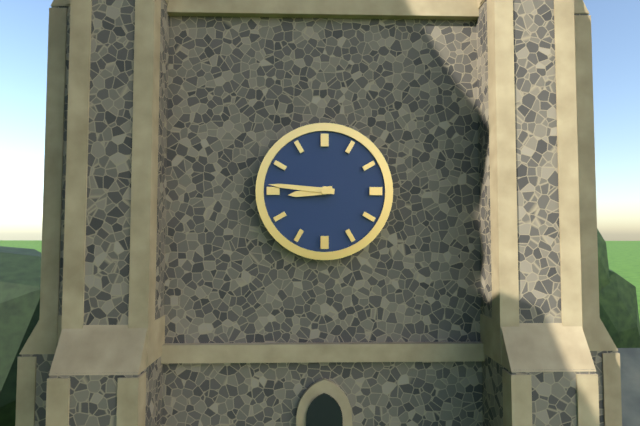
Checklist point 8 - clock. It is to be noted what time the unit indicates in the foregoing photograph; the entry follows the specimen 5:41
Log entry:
8:46
